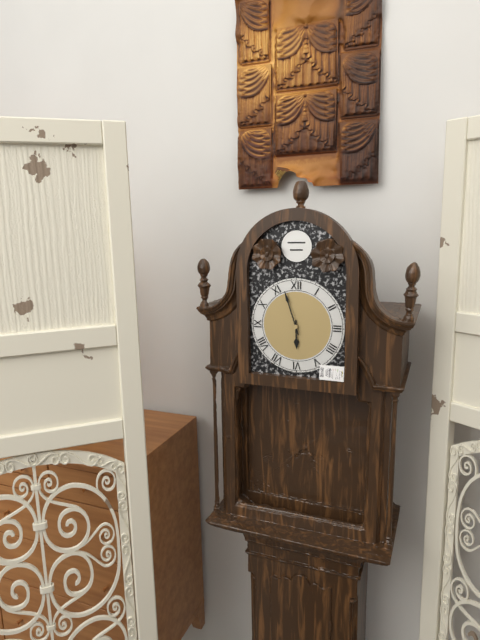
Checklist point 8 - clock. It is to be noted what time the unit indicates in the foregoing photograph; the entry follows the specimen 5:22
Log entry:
5:57
